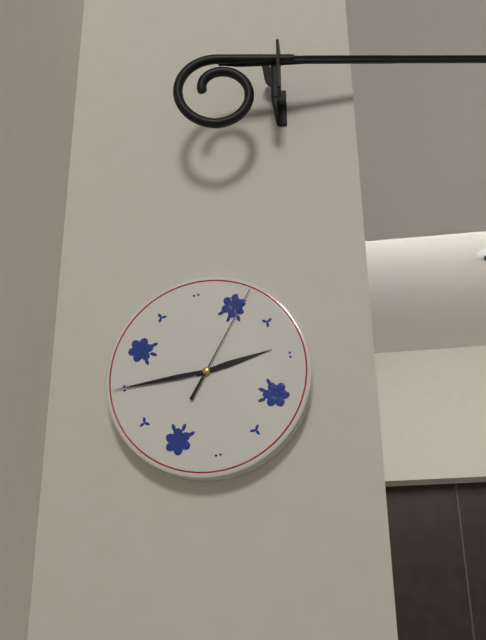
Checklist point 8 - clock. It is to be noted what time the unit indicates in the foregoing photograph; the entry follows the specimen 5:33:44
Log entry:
2:45:06
